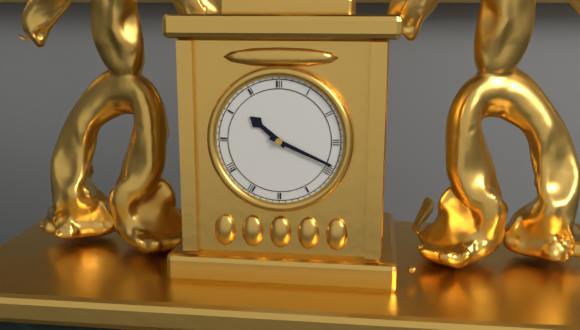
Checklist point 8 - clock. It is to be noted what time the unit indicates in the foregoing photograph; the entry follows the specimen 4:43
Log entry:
10:19
